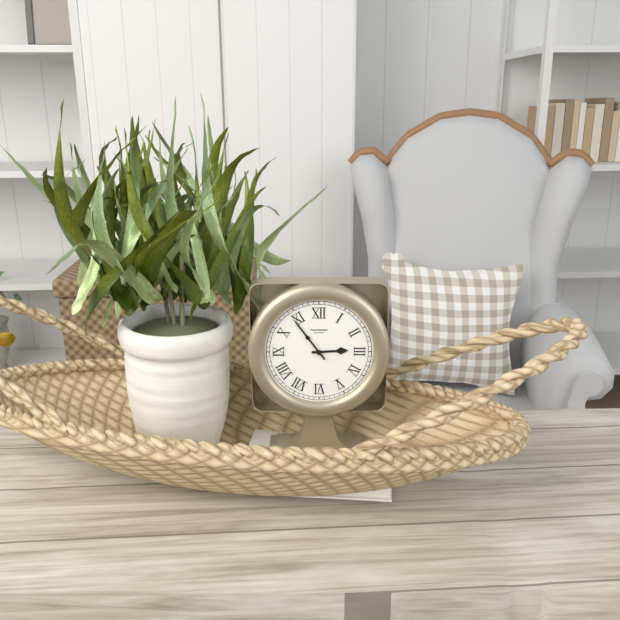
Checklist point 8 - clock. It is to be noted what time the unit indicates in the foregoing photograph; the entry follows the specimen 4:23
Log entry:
2:54
